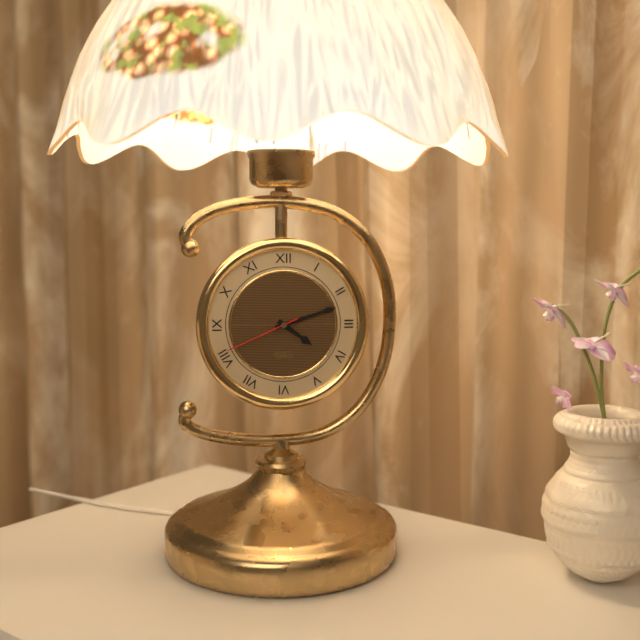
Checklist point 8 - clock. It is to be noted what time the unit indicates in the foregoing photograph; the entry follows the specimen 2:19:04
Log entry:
4:12:41
